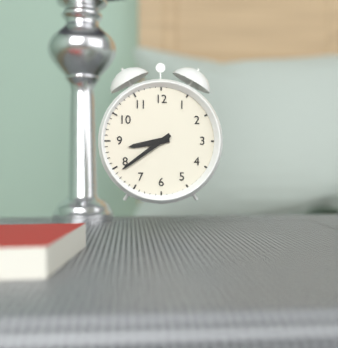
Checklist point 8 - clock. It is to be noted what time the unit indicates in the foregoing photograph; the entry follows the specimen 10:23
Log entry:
8:39
